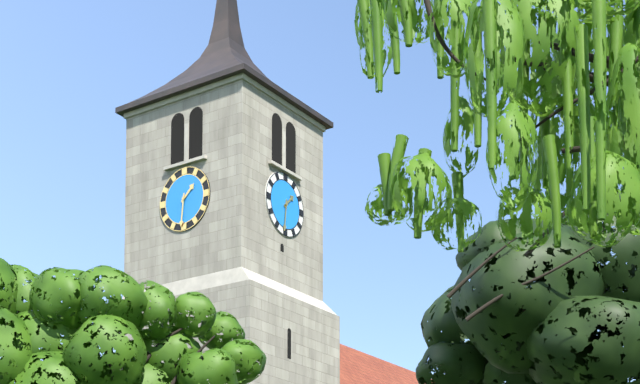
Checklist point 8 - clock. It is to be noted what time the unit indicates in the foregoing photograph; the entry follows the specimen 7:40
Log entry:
1:31
